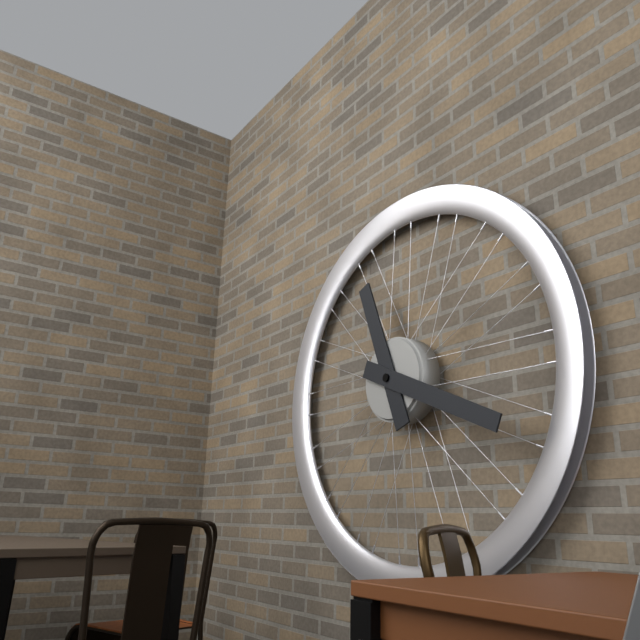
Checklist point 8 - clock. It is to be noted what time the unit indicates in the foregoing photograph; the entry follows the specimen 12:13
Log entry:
11:19
